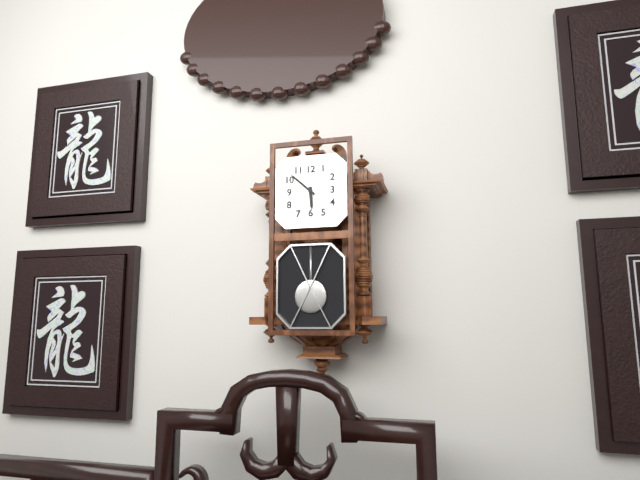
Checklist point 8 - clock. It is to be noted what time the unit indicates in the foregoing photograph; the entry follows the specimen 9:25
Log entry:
5:52
